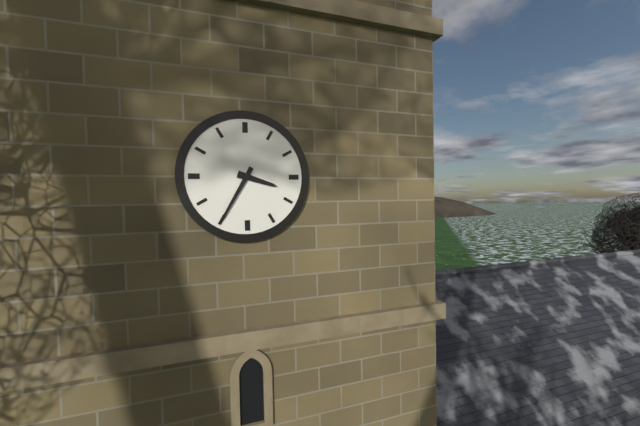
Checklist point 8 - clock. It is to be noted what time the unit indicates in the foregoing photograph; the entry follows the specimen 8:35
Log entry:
3:35
